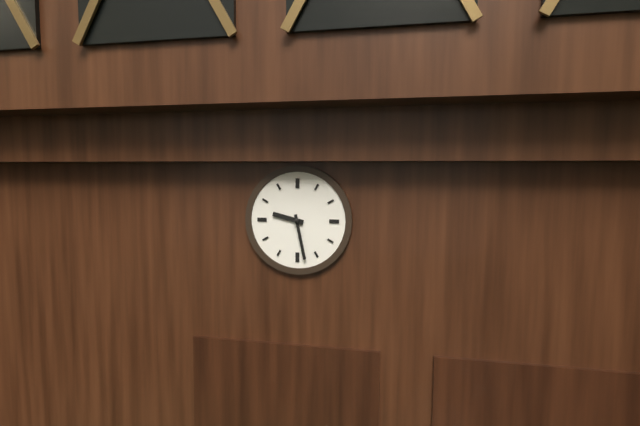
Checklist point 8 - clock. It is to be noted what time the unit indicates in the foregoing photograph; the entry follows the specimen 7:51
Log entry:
9:28
